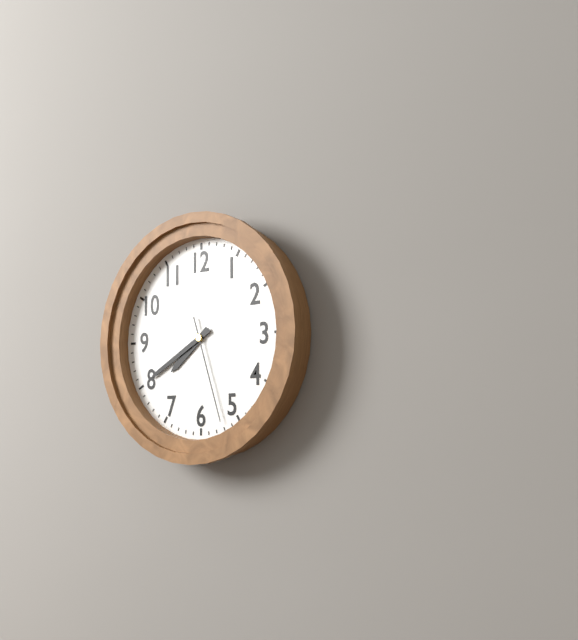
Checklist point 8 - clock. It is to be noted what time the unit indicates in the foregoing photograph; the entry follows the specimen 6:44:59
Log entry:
7:40:27
